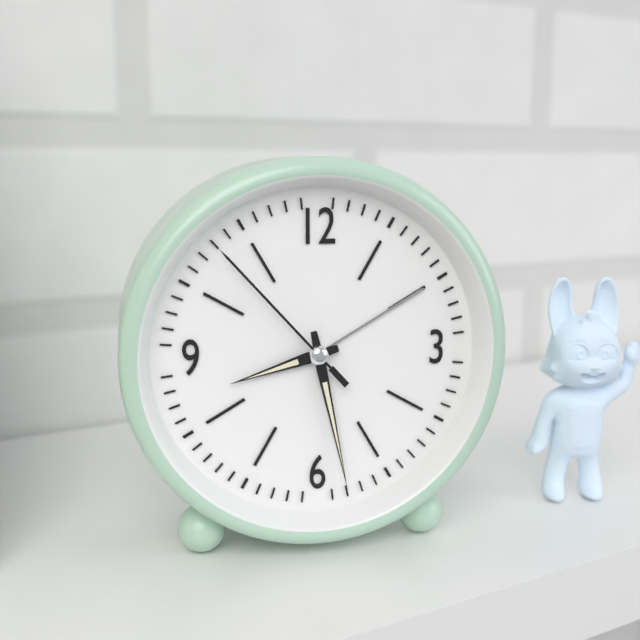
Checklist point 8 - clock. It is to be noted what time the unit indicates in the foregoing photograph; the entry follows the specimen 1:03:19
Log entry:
8:28:53
